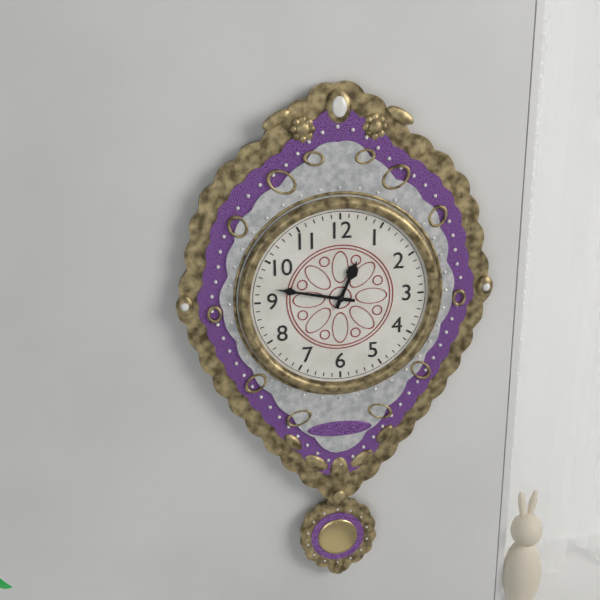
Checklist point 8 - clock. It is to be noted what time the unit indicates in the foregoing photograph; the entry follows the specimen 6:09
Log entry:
12:47
